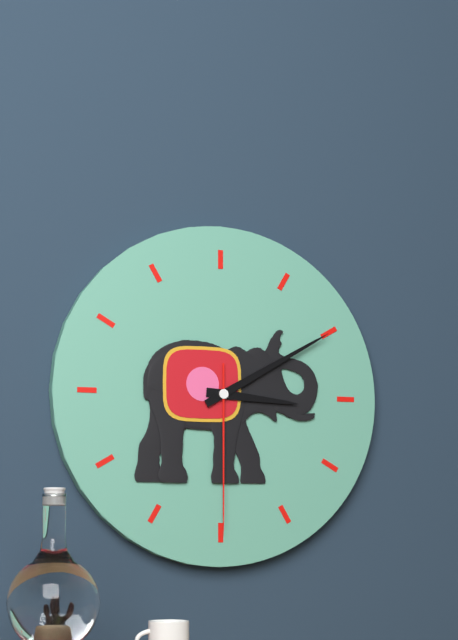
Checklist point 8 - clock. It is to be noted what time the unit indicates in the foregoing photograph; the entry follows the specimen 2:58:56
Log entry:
3:10:30
